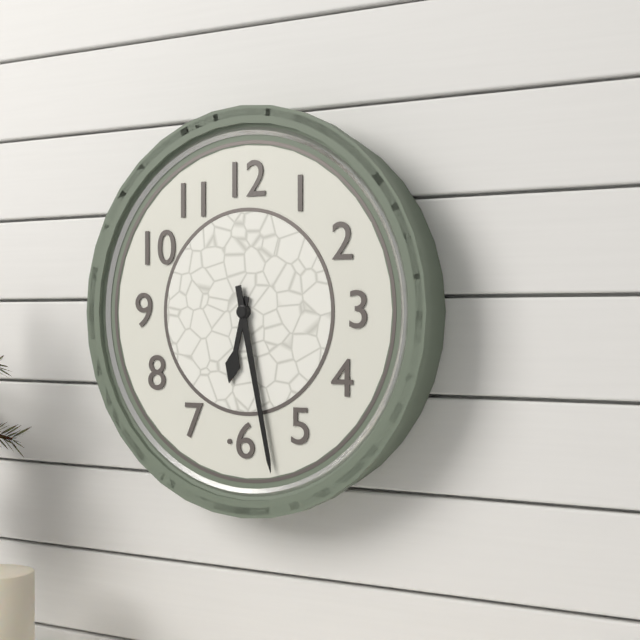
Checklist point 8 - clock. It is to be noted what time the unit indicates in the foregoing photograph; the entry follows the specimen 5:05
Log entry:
6:28
